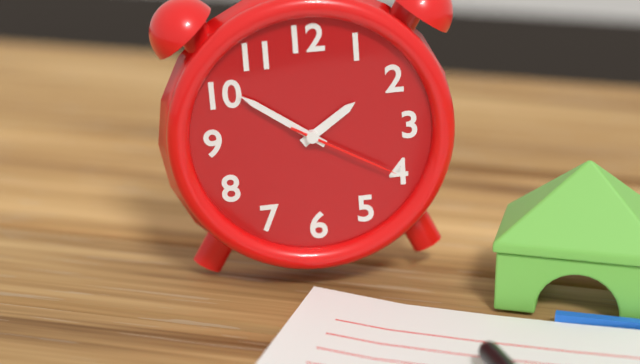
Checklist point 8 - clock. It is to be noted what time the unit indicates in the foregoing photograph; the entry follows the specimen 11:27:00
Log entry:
1:51:20
